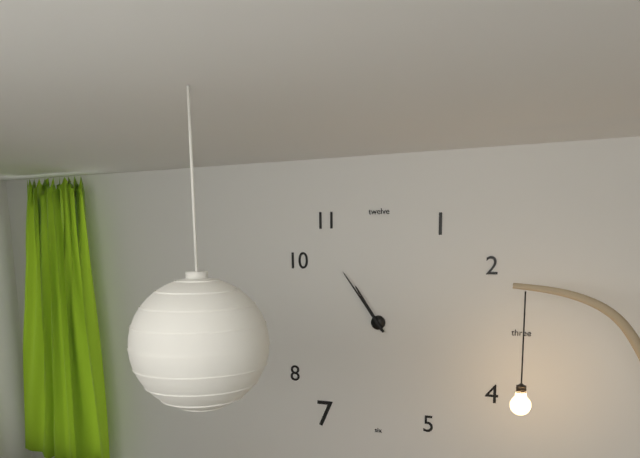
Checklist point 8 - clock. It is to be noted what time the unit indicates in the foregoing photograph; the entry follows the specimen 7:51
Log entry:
10:54
